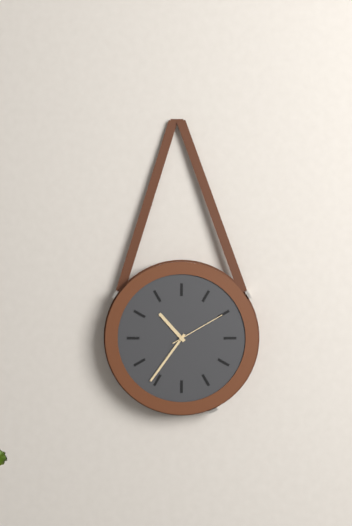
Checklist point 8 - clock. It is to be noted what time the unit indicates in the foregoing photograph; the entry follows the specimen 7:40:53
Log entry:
10:36:10
